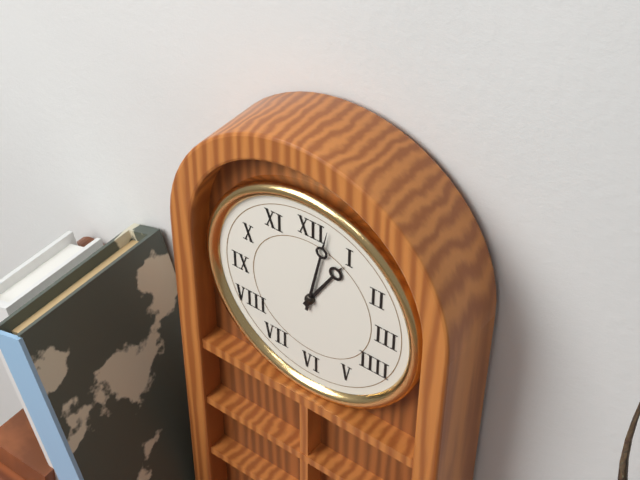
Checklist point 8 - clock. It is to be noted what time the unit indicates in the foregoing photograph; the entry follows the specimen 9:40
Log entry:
1:02
